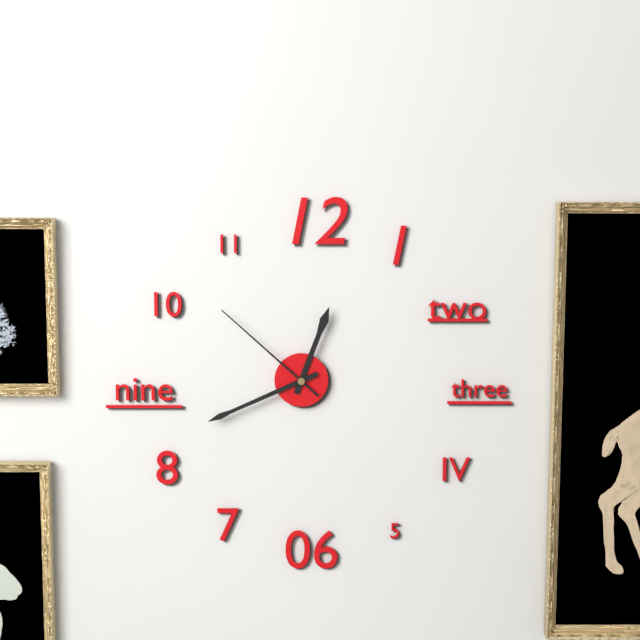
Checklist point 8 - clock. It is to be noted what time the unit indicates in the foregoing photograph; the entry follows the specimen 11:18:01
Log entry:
12:41:52
